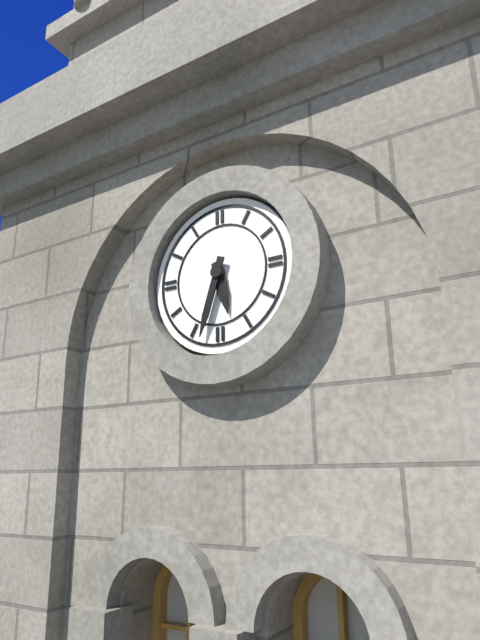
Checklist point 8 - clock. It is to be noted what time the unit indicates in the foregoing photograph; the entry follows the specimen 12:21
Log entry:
5:33
